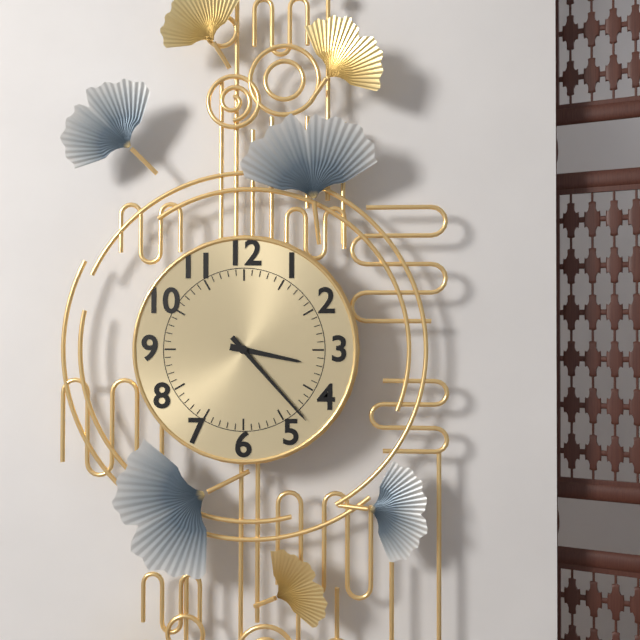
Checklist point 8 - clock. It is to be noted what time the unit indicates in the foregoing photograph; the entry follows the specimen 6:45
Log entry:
3:23
